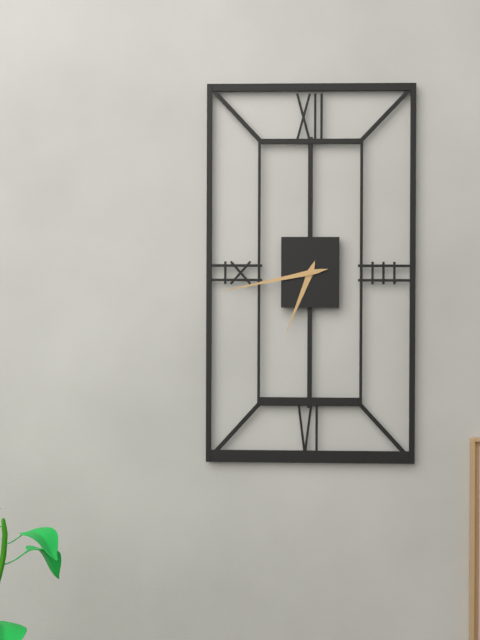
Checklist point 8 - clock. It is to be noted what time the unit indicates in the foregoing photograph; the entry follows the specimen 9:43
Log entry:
6:43
